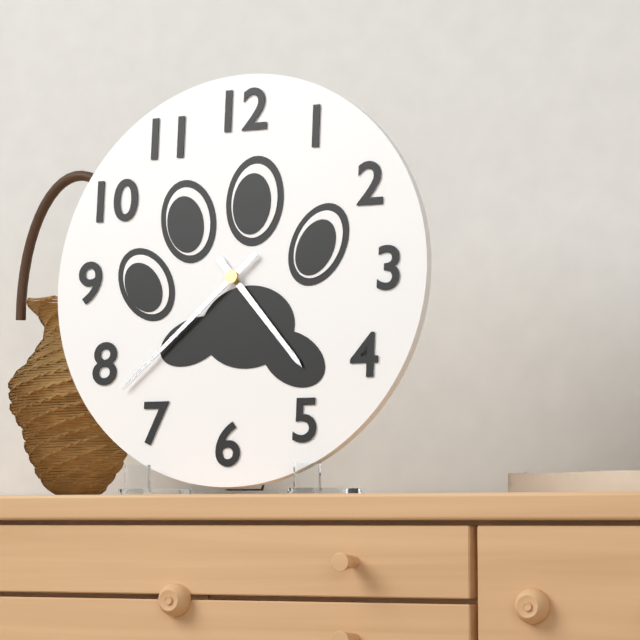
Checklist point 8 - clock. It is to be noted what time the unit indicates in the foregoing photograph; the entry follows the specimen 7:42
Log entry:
4:38
